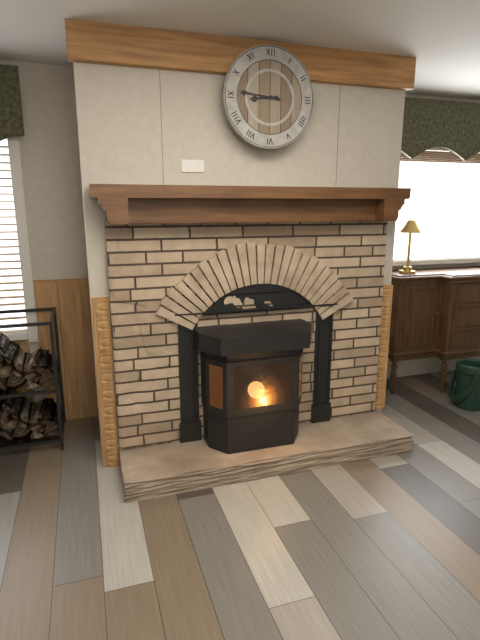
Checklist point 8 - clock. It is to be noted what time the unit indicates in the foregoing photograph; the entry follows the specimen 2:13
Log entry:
8:46
